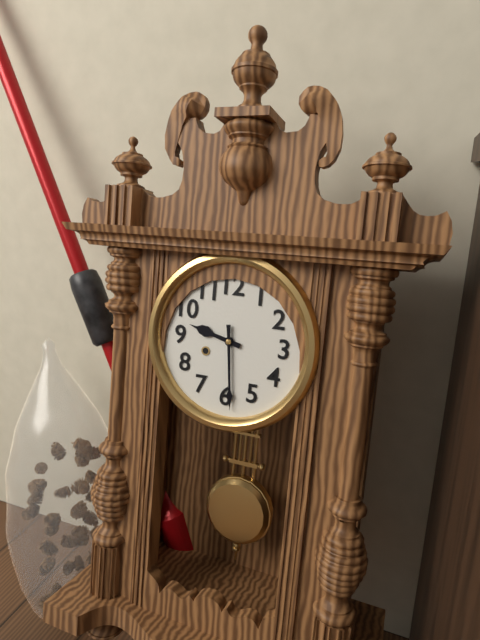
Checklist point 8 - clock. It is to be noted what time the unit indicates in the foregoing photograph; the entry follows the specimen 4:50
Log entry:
9:29
